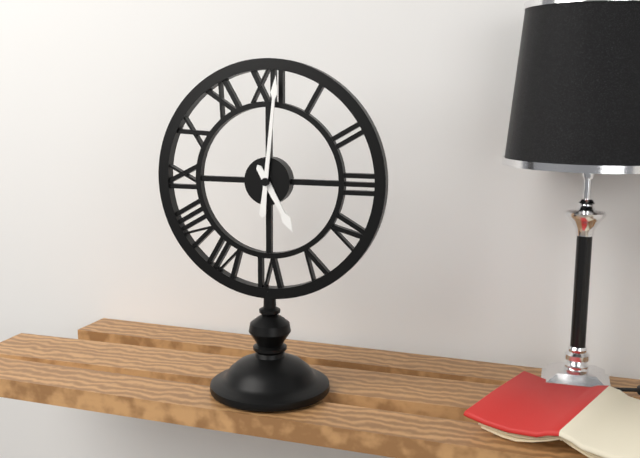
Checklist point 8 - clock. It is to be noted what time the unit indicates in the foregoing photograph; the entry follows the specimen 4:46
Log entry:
5:01
